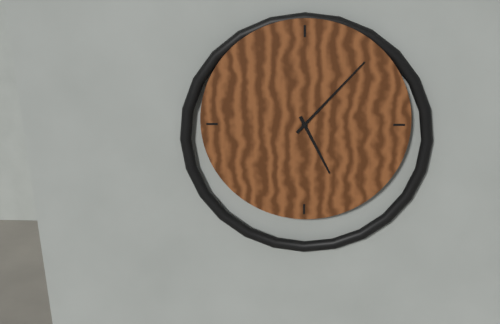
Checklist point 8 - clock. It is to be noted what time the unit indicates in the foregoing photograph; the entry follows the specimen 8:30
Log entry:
5:07
